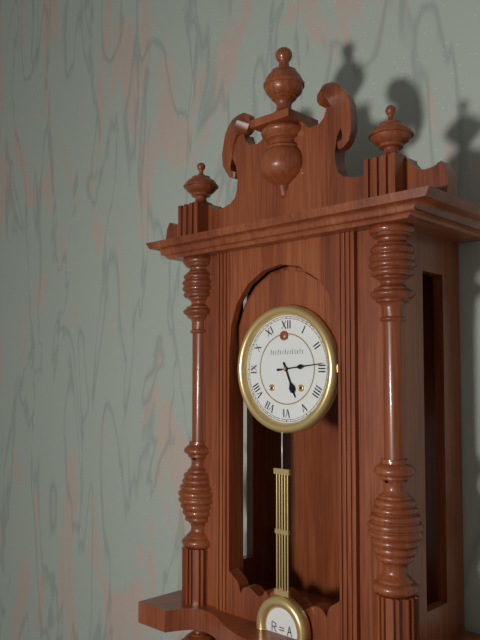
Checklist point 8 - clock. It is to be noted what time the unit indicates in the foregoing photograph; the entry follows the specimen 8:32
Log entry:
5:14
